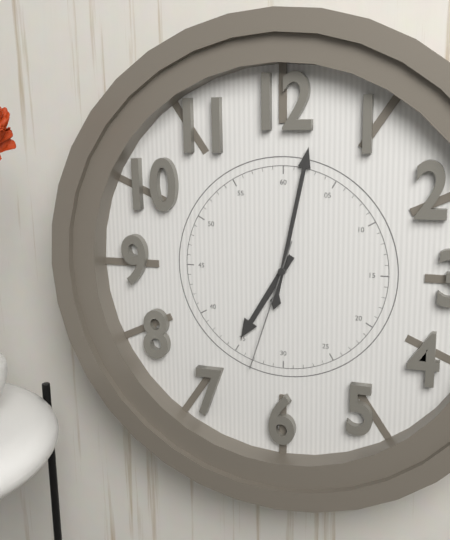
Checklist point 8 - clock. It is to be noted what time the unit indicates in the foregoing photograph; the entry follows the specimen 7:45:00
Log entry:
7:02:33
